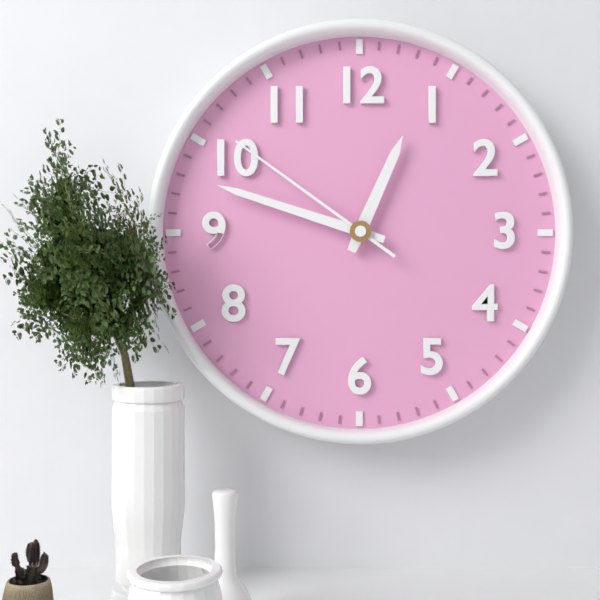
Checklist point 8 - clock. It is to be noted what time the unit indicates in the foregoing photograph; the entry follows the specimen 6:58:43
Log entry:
12:48:51
